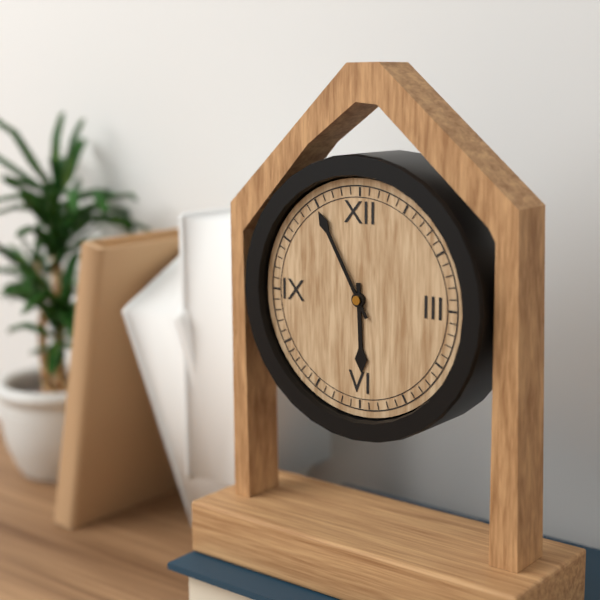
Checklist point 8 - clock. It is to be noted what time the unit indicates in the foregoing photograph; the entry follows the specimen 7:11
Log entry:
5:55
